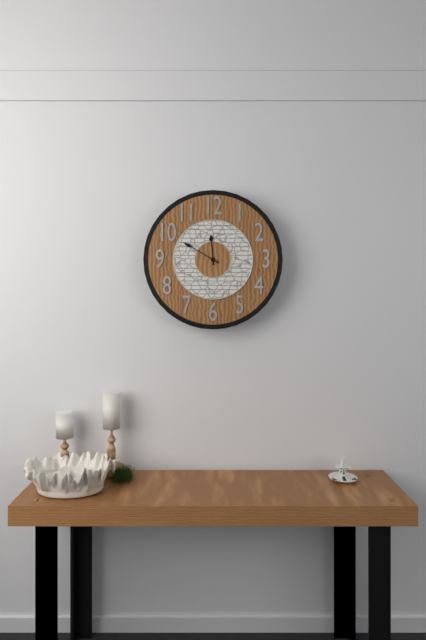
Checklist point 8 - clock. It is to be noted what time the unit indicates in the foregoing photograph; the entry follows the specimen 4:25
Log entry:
11:50
